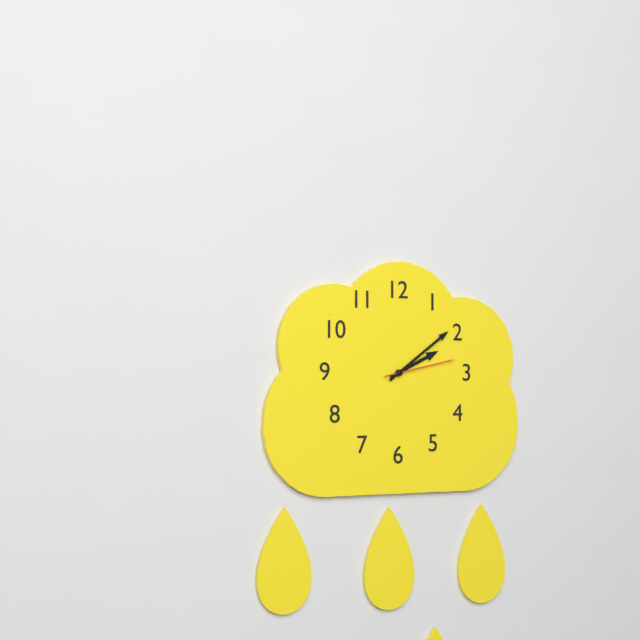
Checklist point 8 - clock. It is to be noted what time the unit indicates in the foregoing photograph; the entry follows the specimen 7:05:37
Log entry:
2:09:13
